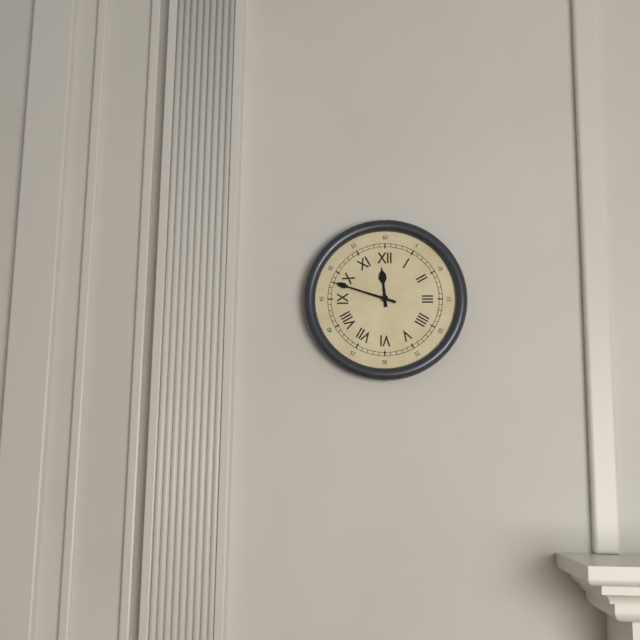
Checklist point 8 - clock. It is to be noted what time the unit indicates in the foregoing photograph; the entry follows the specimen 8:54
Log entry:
11:48
